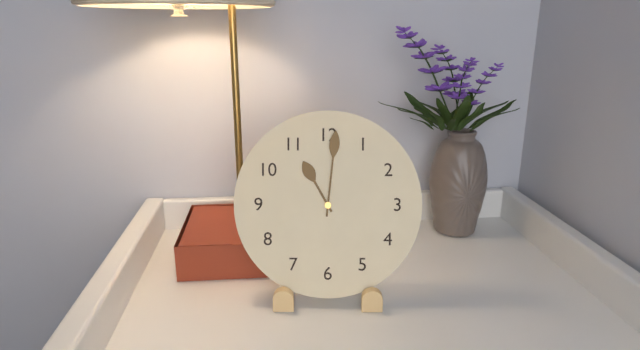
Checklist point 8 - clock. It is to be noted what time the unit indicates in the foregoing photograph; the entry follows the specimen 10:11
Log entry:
11:01
